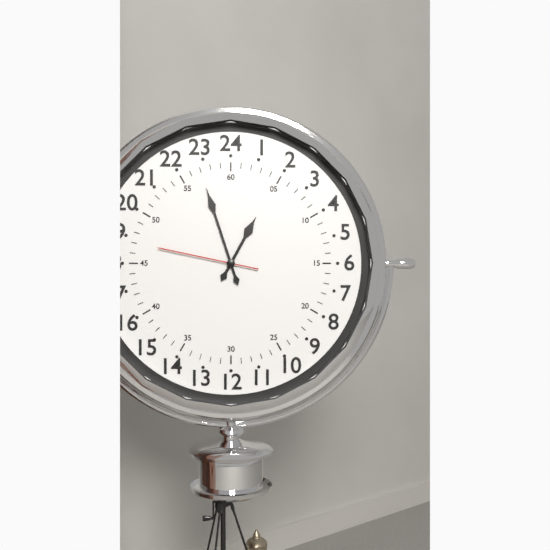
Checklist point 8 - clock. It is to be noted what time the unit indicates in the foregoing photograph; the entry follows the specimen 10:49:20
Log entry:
12:57:47
